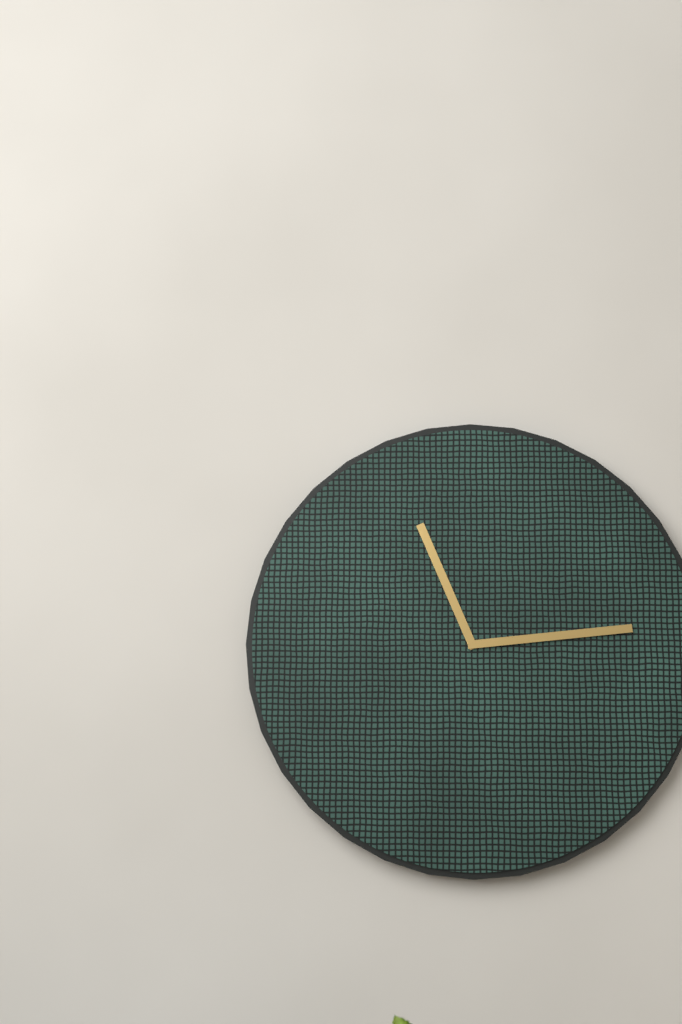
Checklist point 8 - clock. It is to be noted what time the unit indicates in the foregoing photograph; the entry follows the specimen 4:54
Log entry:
11:14
